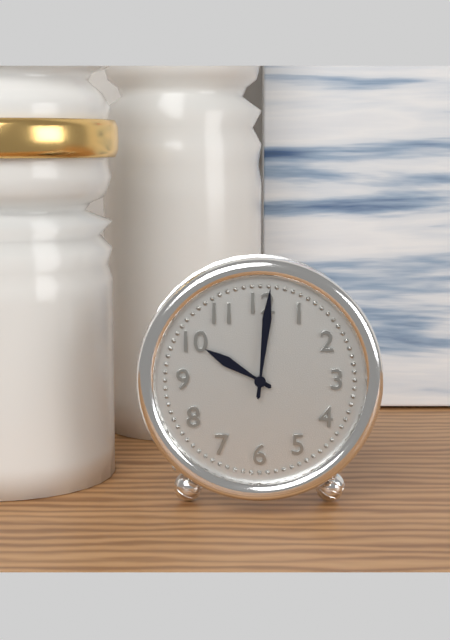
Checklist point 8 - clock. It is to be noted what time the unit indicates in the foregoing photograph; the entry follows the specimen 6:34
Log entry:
10:01
